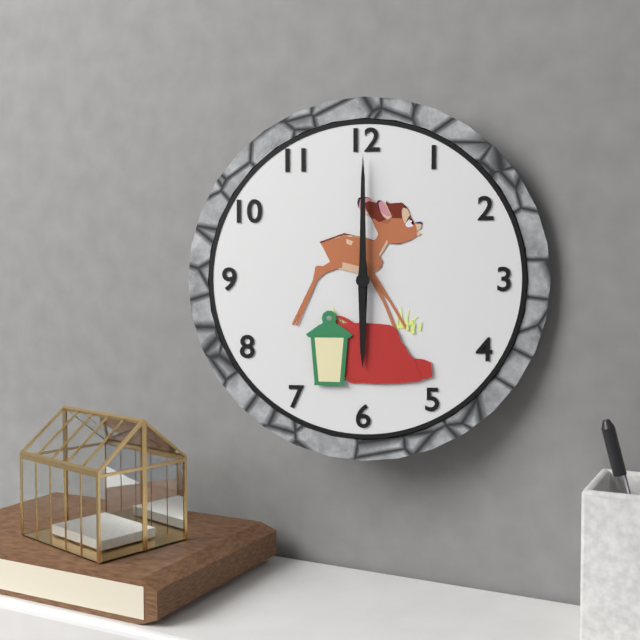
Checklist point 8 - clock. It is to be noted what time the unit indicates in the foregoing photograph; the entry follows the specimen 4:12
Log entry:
6:00
